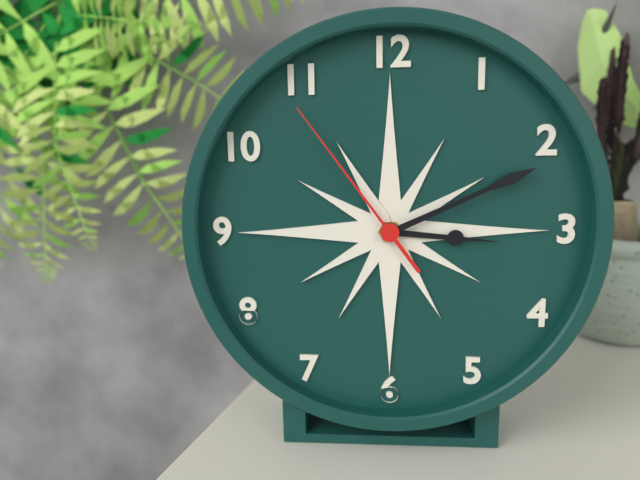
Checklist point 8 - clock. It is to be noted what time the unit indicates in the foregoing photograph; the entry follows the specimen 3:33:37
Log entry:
3:11:54
